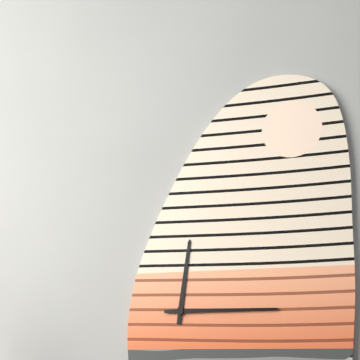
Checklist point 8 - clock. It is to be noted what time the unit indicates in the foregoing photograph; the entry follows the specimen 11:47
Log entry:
12:15
